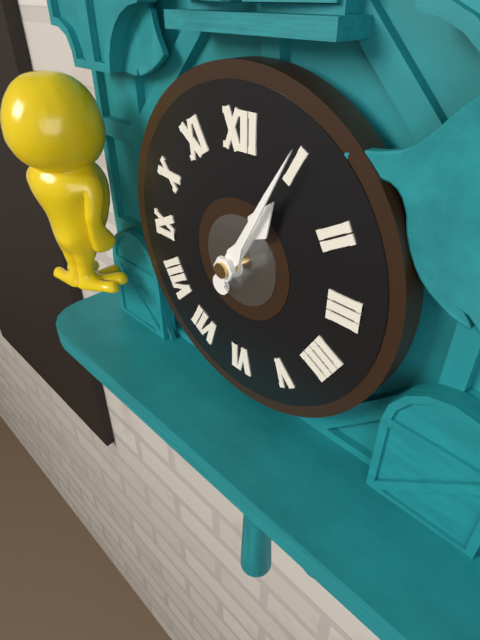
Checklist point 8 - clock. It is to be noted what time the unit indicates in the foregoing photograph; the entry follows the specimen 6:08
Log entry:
1:05
